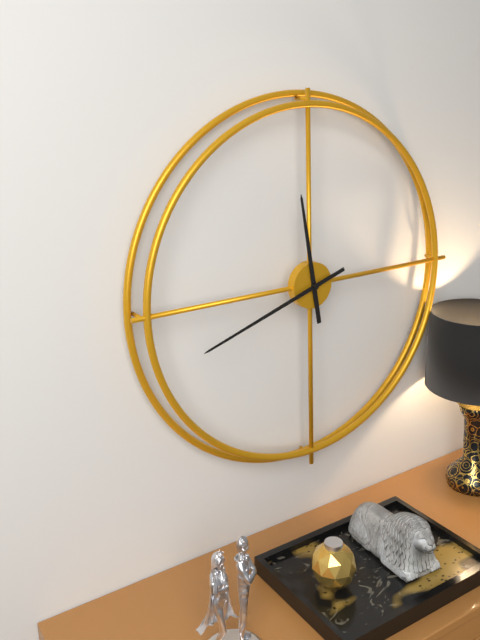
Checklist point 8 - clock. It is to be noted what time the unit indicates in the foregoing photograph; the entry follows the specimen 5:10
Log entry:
11:42
